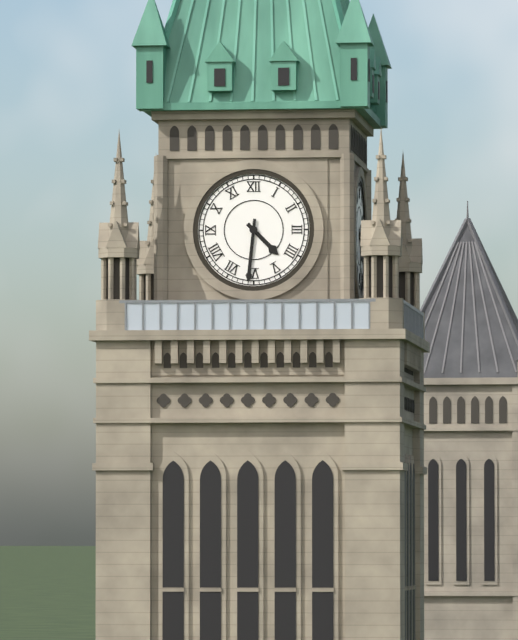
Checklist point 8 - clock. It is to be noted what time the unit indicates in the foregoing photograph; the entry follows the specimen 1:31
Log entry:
4:31
